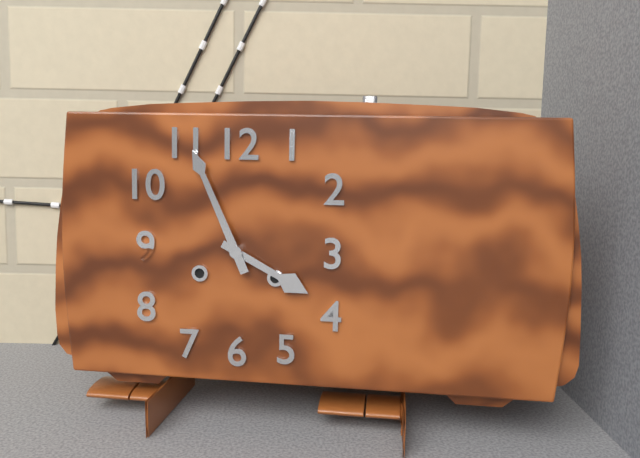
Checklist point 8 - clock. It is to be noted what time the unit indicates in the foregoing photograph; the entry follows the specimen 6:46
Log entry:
3:56
